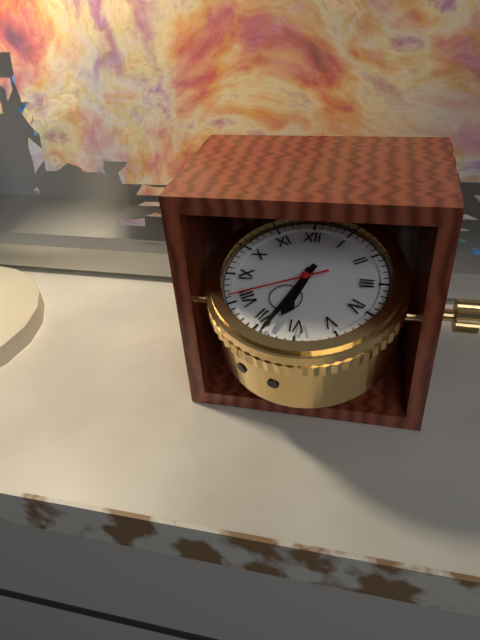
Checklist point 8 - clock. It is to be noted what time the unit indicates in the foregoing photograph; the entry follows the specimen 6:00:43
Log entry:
6:34:41
